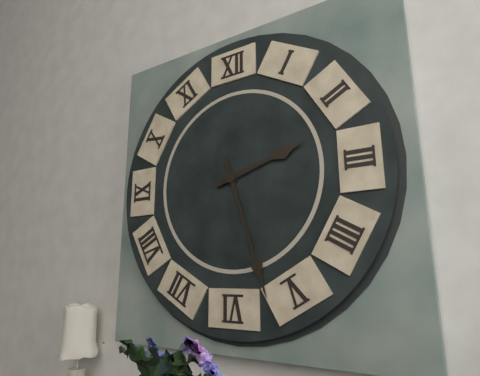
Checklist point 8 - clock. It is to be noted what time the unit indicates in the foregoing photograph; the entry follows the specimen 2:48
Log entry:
2:27
